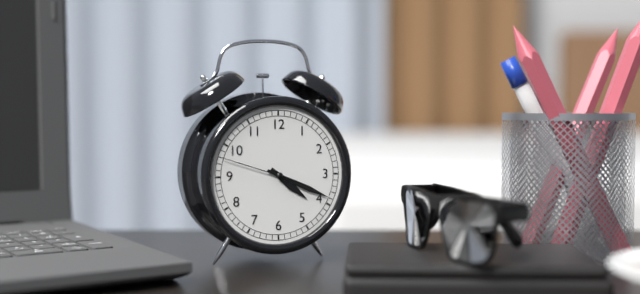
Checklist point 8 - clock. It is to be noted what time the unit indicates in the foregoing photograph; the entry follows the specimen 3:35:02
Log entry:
4:19:48
